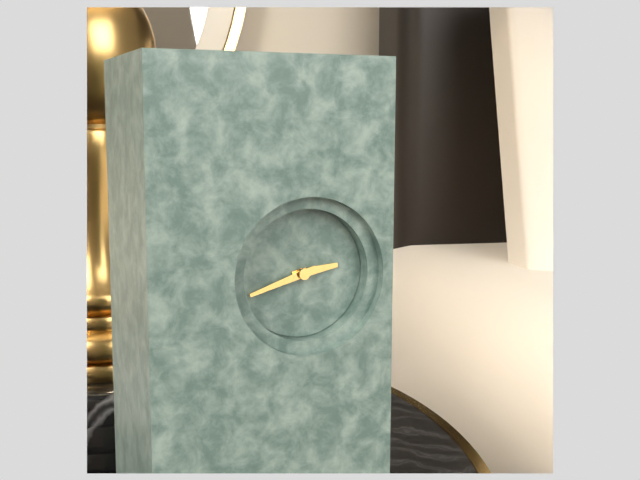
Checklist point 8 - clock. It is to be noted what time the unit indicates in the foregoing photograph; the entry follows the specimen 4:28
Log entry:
2:42
